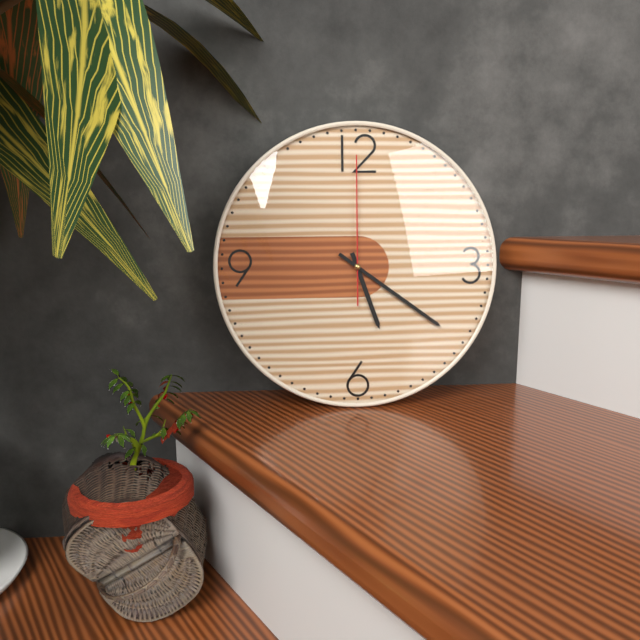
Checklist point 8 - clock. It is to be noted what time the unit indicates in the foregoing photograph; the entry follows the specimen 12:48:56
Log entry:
5:21:00
